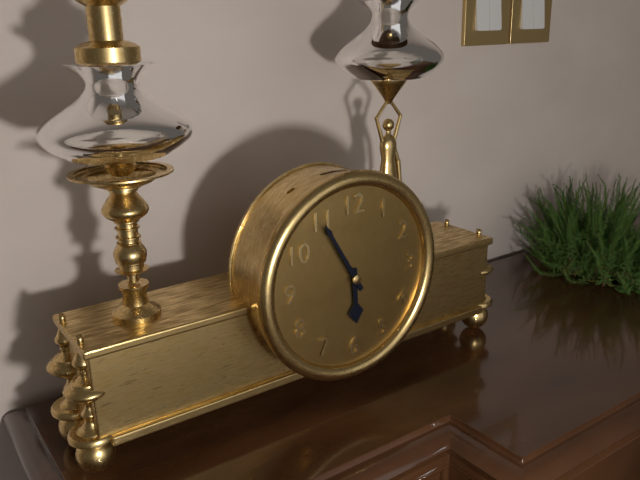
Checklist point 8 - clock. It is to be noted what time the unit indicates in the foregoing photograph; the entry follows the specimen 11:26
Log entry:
5:55
